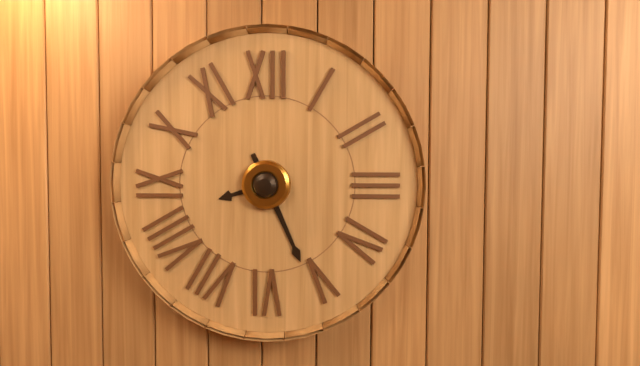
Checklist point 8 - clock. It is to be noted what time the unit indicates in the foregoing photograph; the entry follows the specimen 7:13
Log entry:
8:26
